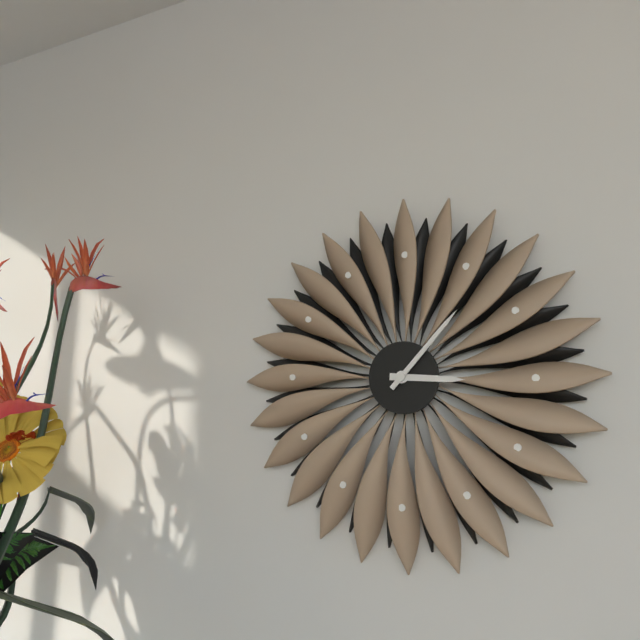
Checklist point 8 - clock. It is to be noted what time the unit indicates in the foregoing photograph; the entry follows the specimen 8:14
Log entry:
3:07
